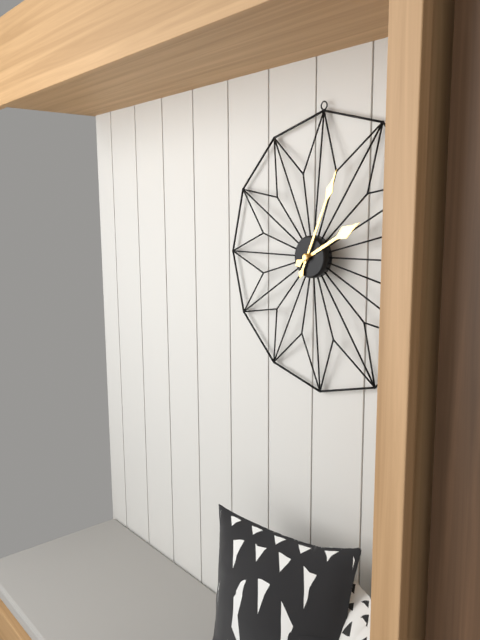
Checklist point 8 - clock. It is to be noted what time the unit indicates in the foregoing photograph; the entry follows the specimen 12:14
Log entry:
2:04
